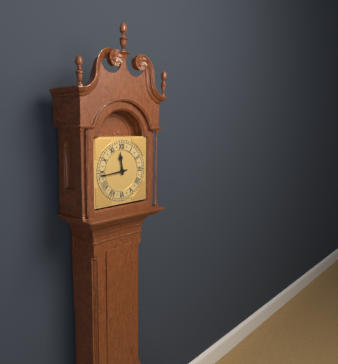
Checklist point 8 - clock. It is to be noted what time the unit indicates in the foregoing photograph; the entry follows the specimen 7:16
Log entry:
11:44
